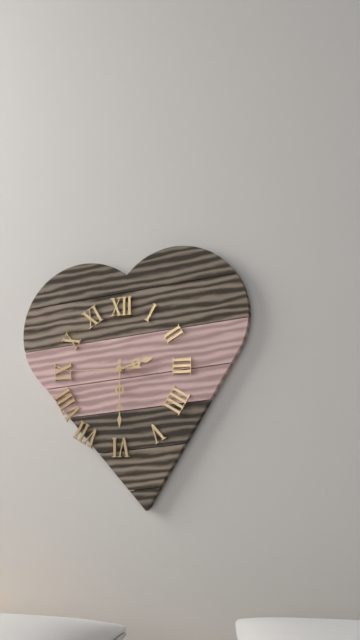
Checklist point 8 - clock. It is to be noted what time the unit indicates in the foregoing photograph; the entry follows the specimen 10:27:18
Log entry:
2:30:45
